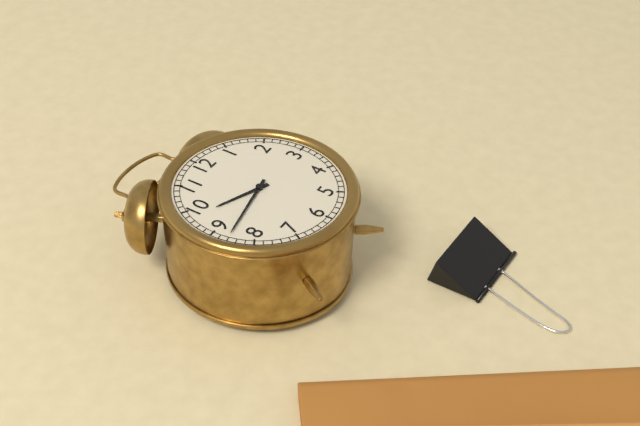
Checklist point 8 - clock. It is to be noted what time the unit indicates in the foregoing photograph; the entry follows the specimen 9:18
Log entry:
9:43
